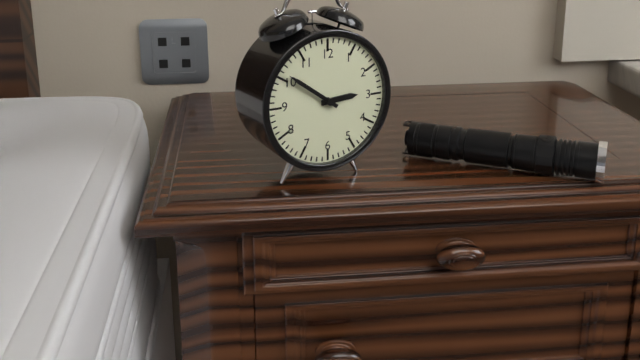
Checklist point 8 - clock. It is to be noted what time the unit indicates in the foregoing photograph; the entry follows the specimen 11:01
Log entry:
2:51
